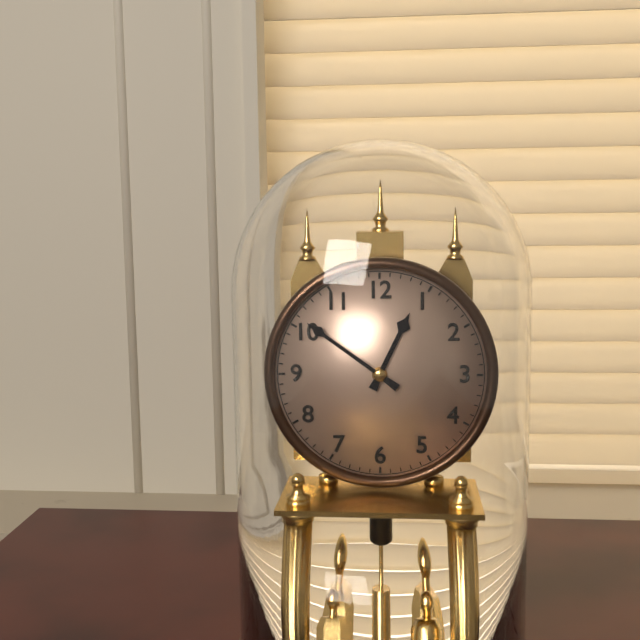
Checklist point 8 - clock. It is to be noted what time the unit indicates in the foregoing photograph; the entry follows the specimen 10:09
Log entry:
12:51
